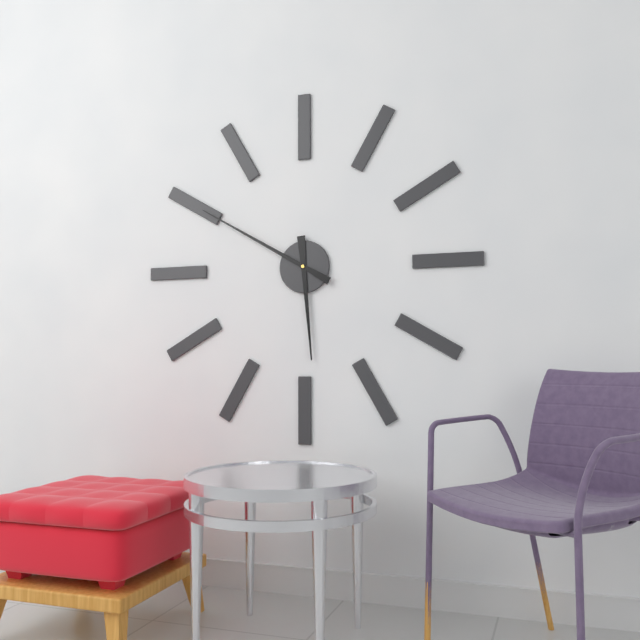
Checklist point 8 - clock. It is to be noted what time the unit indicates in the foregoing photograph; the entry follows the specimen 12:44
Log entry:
5:50
